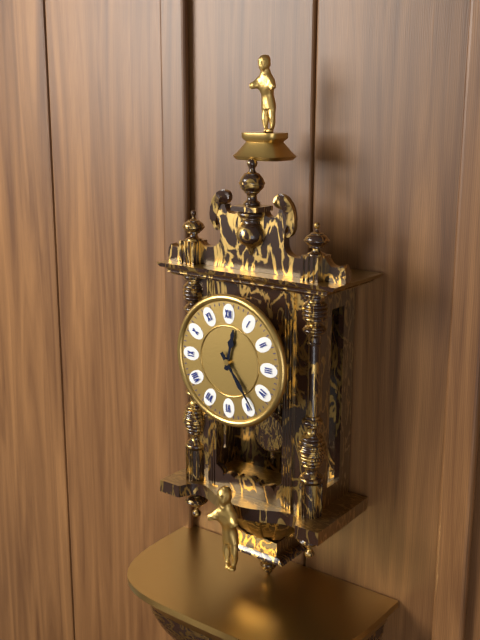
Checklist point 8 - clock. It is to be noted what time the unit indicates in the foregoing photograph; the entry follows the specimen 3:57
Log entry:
12:24
